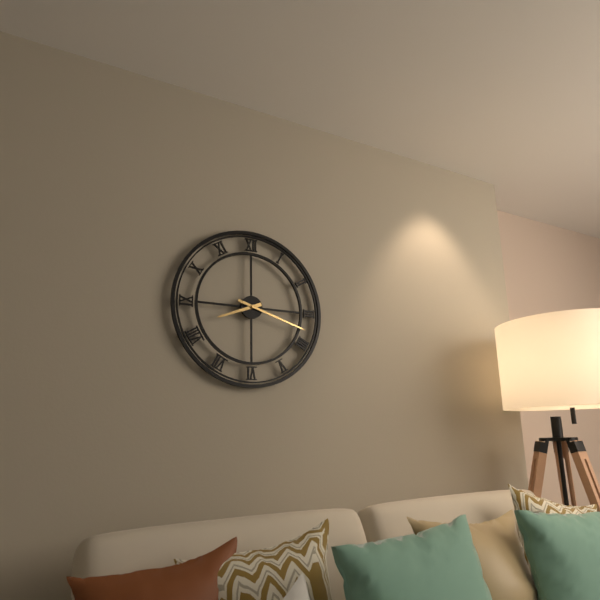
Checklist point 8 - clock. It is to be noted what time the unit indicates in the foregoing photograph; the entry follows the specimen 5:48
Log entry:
8:18
